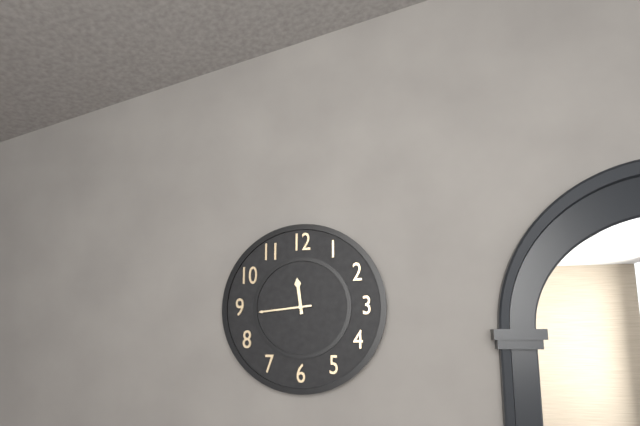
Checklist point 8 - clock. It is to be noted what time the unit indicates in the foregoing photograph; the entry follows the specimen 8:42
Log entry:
11:44
